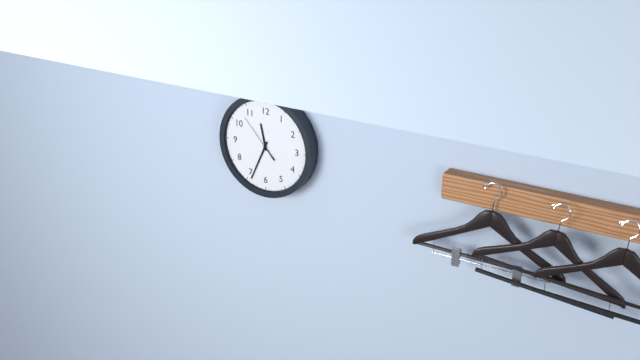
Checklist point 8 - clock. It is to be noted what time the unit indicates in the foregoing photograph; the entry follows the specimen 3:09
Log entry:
11:34
